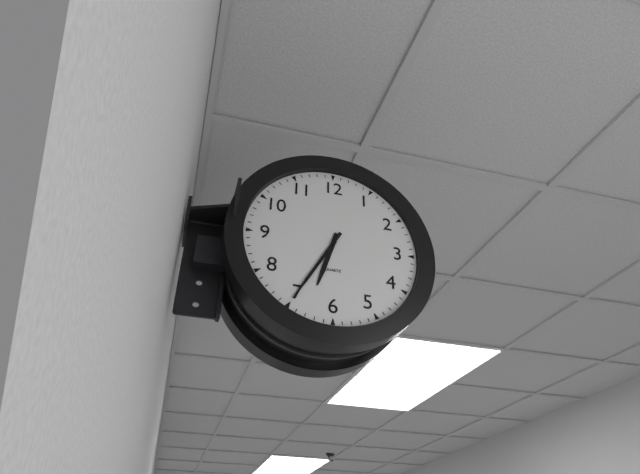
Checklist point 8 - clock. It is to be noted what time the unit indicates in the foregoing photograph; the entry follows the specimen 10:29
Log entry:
6:35
